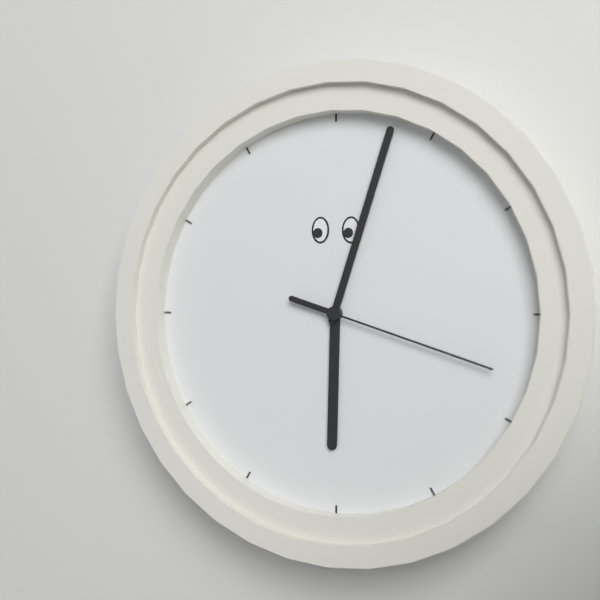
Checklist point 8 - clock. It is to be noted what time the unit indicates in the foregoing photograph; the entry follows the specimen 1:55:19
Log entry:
6:03:18
